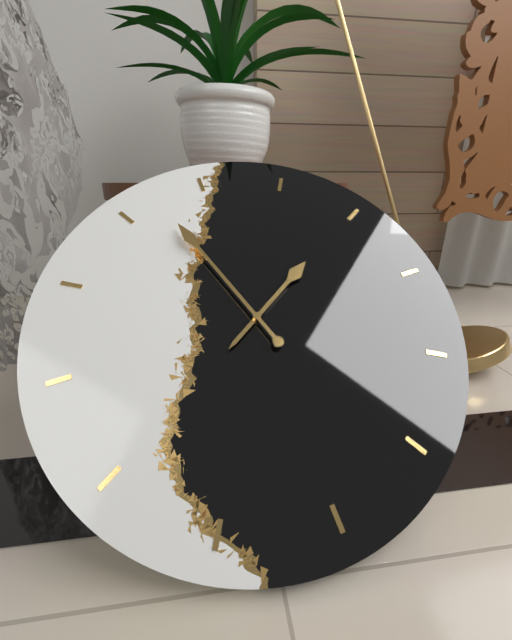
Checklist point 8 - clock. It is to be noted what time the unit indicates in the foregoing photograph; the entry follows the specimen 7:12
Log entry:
1:57
